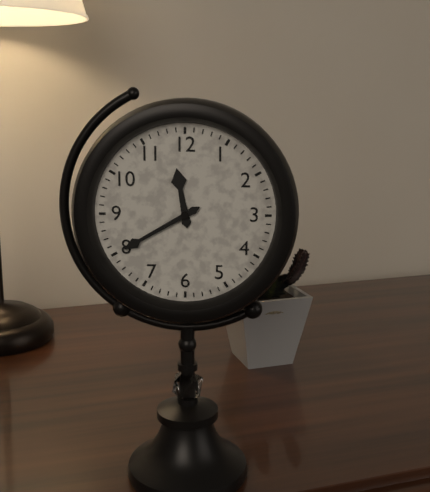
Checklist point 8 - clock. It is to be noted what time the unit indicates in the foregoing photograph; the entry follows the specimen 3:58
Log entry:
11:40
